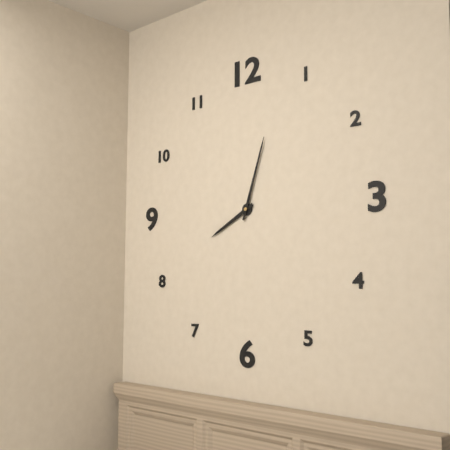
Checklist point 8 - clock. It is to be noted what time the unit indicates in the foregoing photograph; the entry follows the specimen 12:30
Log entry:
8:03
